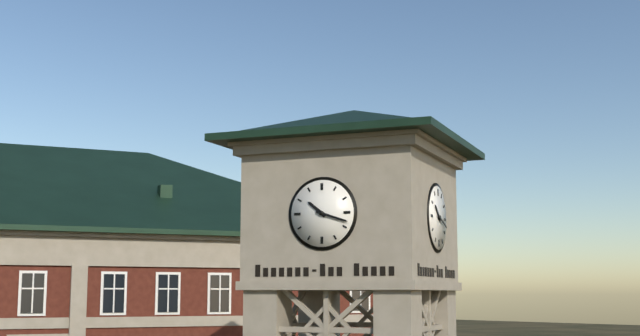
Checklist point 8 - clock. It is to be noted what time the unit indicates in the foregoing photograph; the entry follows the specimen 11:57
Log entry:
10:18
